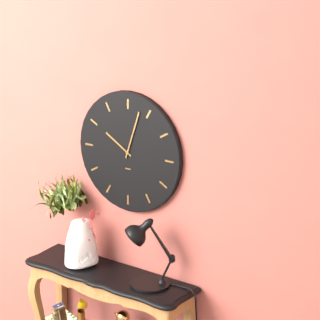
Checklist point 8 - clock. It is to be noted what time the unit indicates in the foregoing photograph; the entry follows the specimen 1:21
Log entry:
10:03
